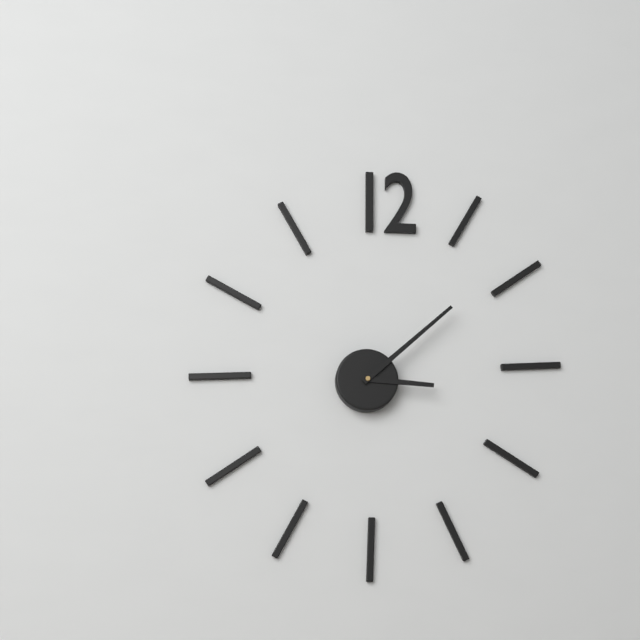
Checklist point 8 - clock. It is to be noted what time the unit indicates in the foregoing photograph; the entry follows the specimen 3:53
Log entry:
3:08
